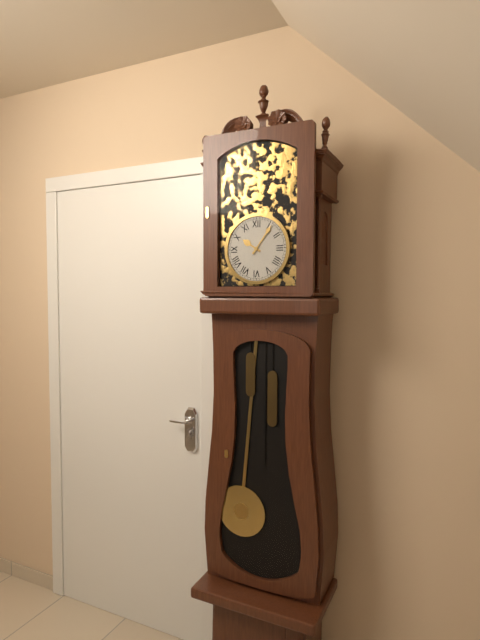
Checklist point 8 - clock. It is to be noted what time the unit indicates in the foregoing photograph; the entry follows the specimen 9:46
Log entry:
10:06
